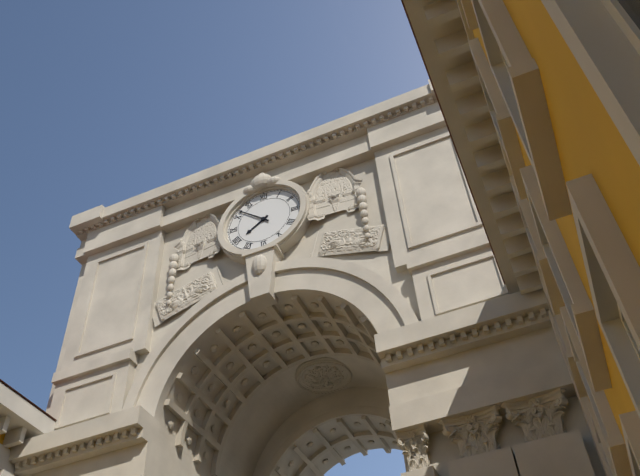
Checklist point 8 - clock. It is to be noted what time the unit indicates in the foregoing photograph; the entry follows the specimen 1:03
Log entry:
7:52
